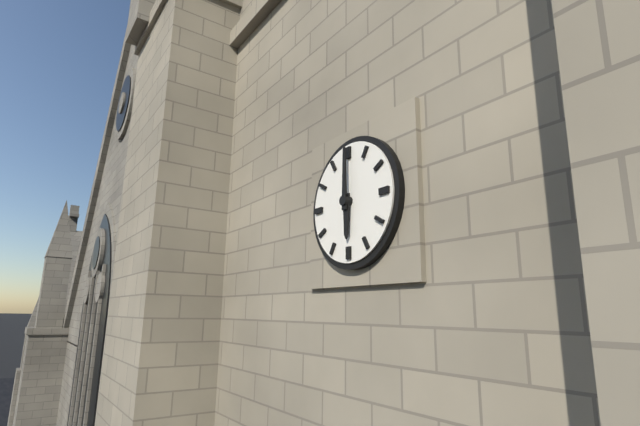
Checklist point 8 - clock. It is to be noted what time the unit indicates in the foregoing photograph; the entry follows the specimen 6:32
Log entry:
6:00
